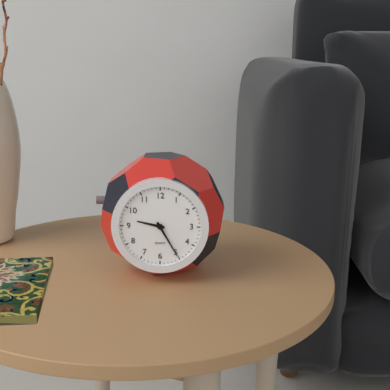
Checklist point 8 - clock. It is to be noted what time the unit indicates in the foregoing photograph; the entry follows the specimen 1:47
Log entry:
9:25
